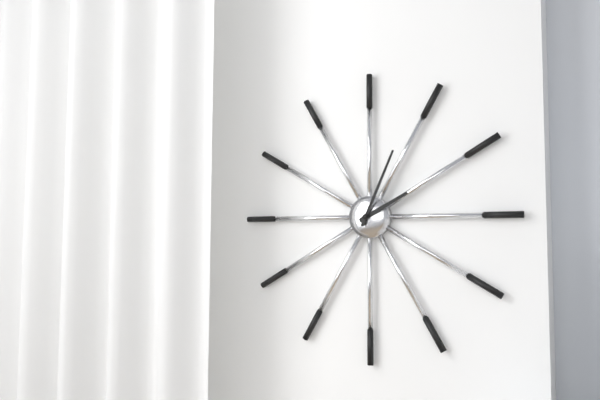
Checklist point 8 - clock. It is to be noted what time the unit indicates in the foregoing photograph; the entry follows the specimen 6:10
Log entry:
2:04
